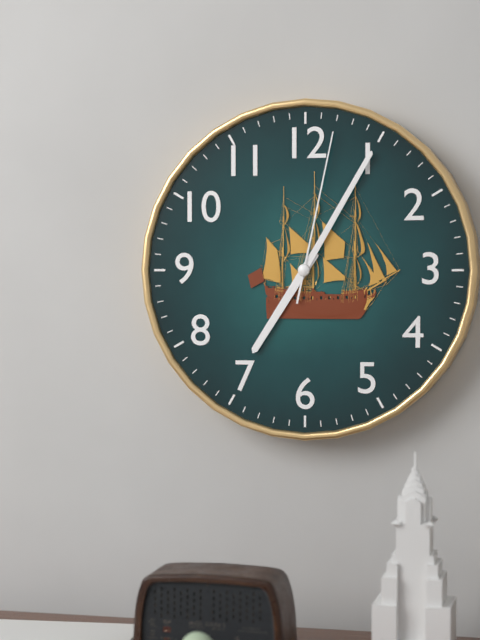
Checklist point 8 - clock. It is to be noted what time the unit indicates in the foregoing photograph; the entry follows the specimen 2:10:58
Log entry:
7:05:02
